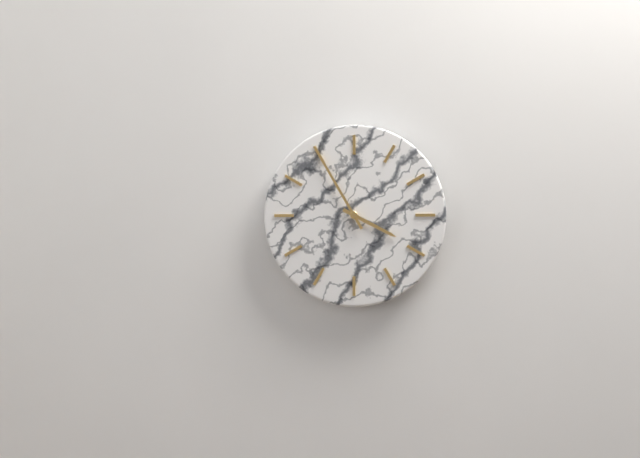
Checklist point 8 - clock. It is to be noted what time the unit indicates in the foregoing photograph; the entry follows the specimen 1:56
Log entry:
3:55
